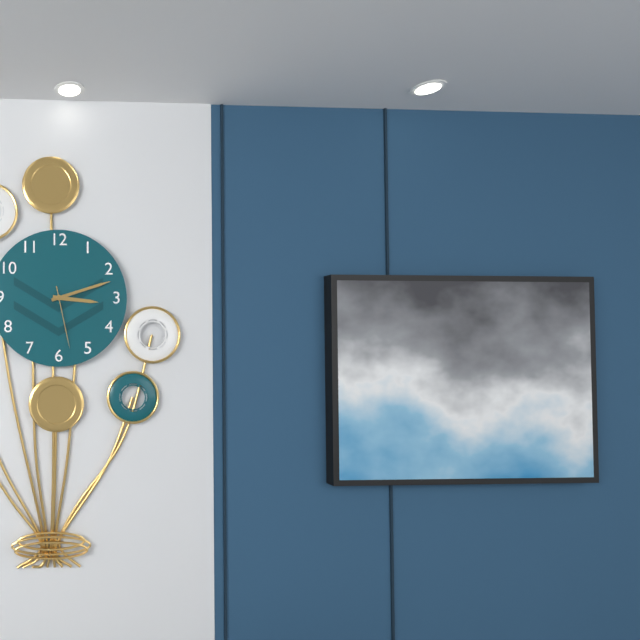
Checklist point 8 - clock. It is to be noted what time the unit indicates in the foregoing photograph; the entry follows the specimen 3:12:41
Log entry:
3:12:28
